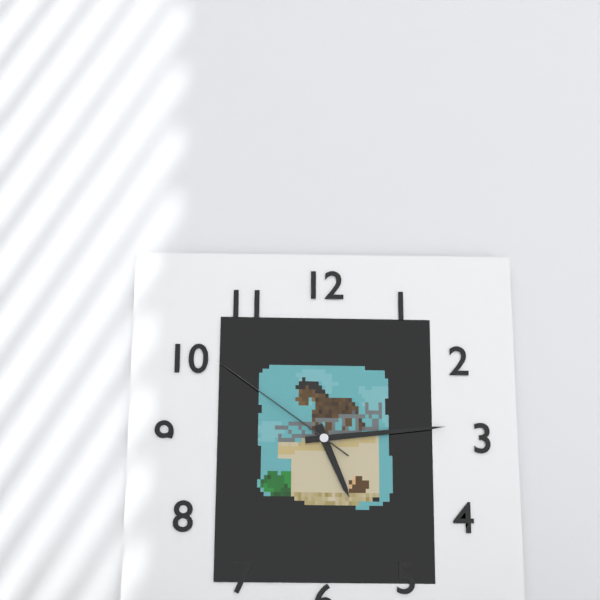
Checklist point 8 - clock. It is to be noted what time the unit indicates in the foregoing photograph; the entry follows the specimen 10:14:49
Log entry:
5:14:51
